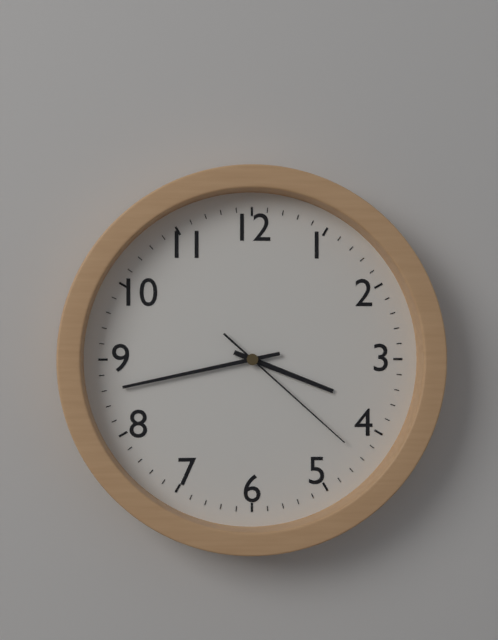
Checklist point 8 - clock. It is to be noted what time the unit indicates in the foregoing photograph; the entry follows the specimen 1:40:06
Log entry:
3:43:22
